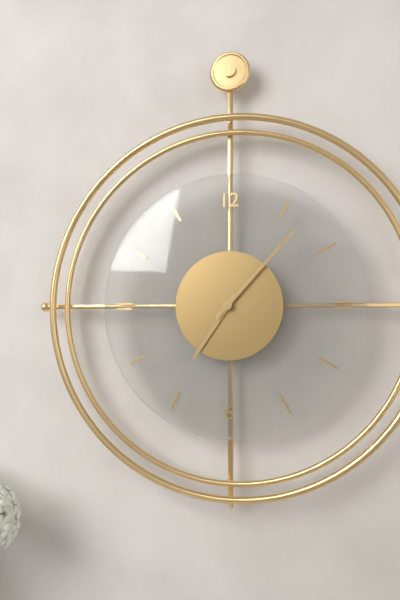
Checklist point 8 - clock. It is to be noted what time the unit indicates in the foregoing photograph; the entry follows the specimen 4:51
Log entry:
7:07
